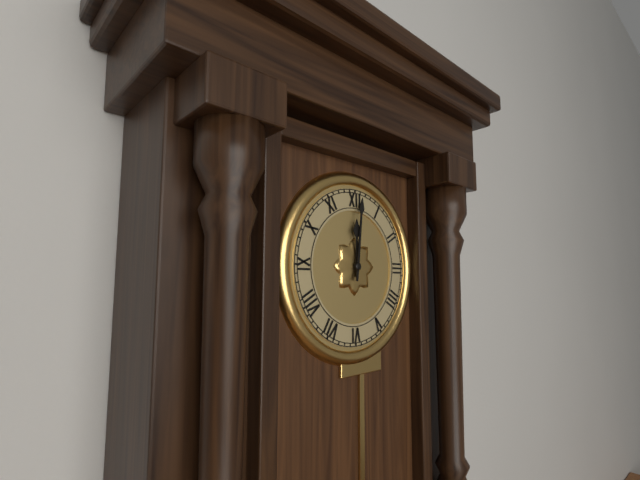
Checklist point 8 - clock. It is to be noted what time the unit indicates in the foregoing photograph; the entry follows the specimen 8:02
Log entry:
12:01
